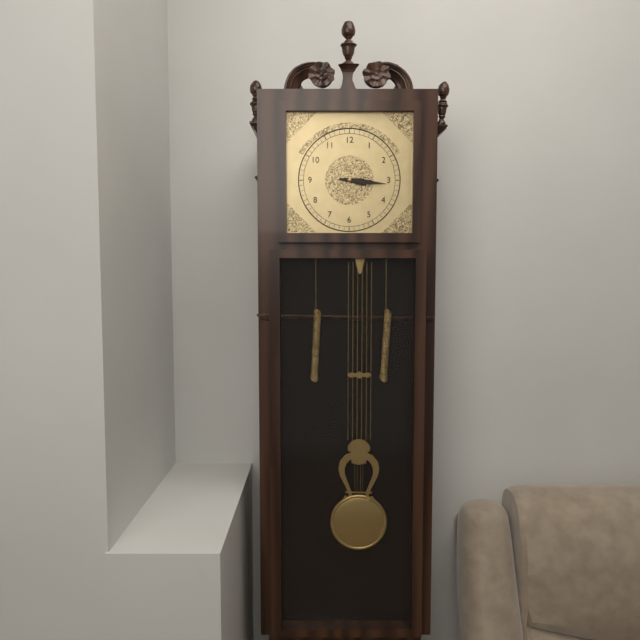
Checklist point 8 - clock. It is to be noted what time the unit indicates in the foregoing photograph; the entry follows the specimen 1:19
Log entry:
3:16
